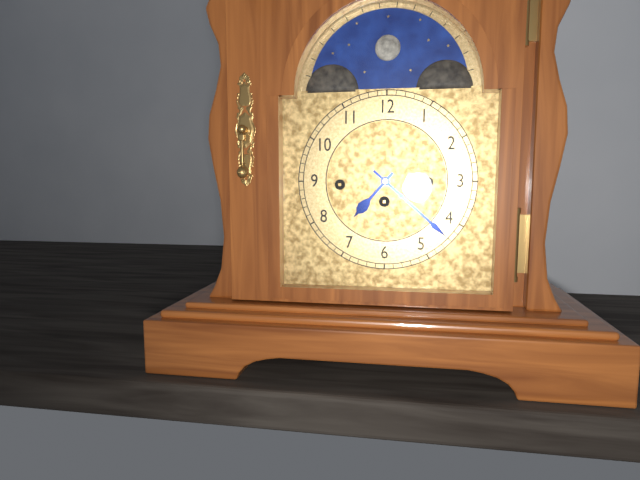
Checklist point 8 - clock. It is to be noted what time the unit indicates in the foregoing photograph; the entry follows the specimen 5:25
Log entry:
7:22
